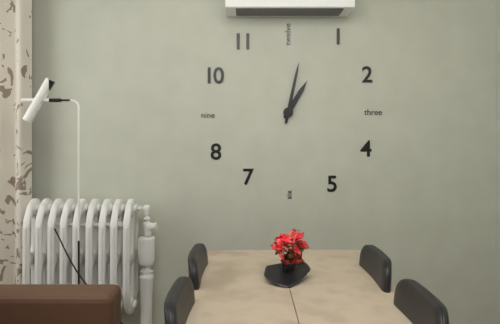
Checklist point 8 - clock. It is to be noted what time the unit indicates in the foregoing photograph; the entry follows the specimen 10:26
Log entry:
1:02
